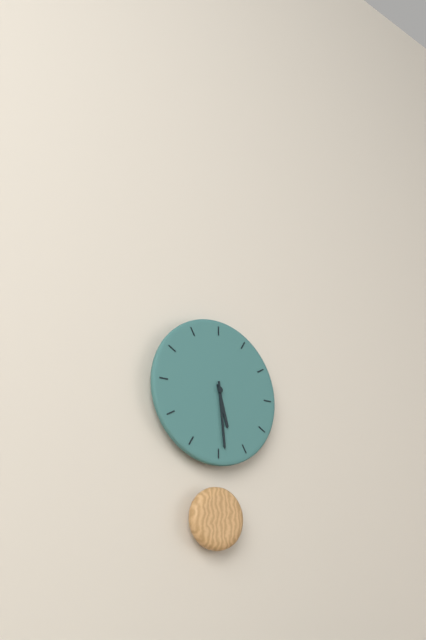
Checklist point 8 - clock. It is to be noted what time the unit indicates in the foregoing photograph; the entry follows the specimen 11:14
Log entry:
5:29
